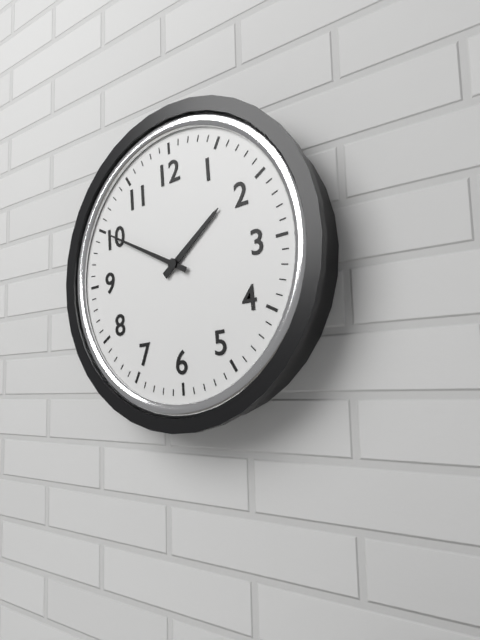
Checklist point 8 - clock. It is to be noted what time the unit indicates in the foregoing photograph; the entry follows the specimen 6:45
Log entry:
1:50
